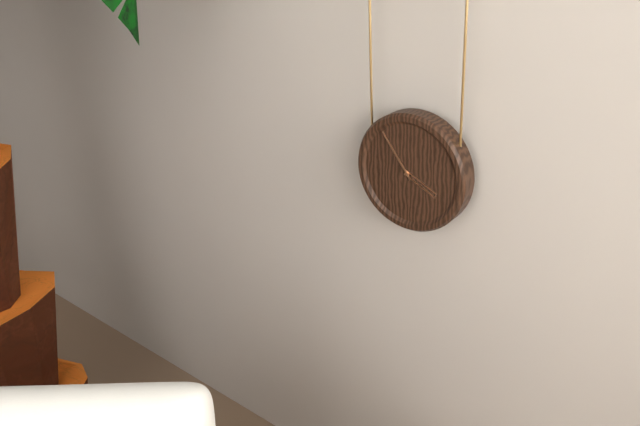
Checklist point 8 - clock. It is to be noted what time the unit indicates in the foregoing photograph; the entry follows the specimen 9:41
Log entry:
3:54
